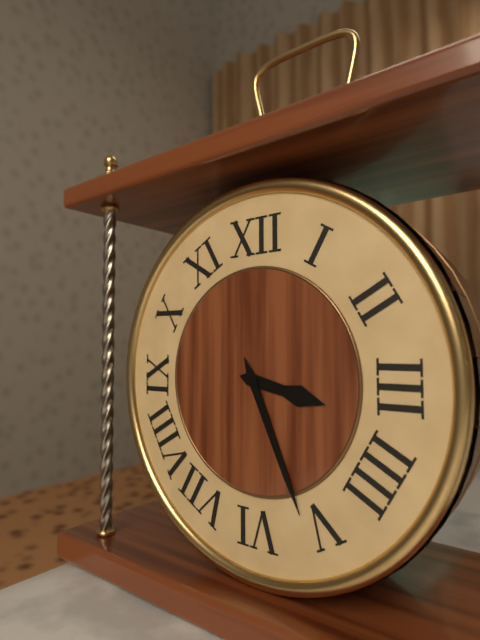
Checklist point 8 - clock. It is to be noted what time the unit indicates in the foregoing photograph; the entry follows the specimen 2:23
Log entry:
3:26
